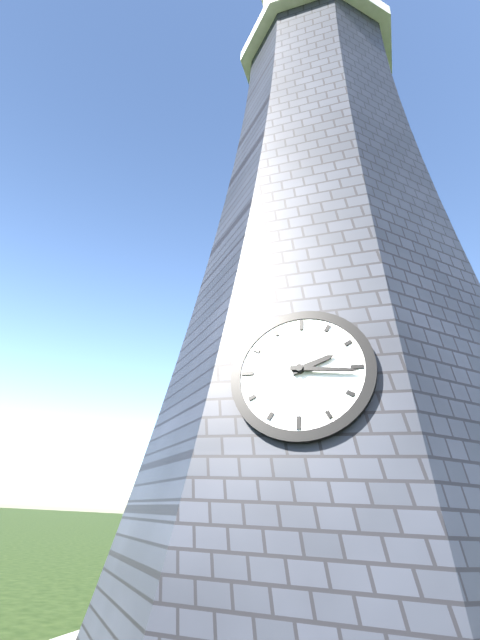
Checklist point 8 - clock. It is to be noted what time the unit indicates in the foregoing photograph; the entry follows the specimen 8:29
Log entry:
2:16
